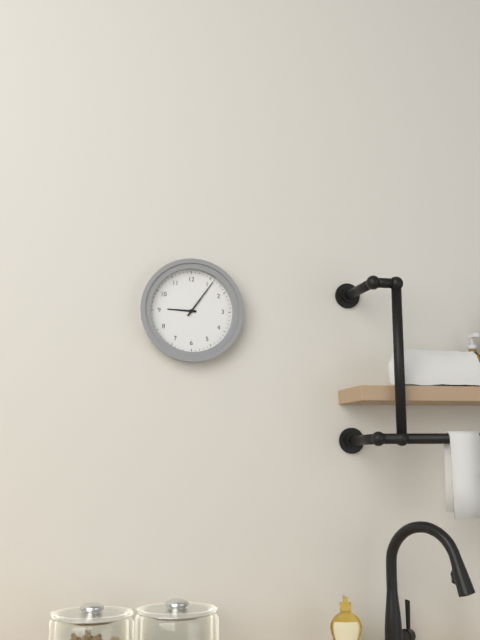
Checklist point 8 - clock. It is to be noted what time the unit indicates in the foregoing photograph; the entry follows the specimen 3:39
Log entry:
9:06
